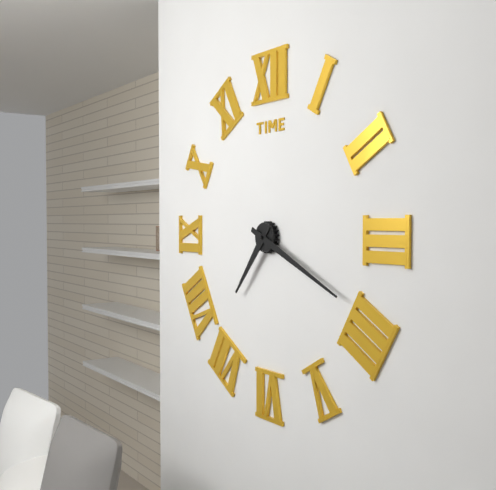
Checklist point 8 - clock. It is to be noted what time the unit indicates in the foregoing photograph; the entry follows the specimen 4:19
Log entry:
7:19
